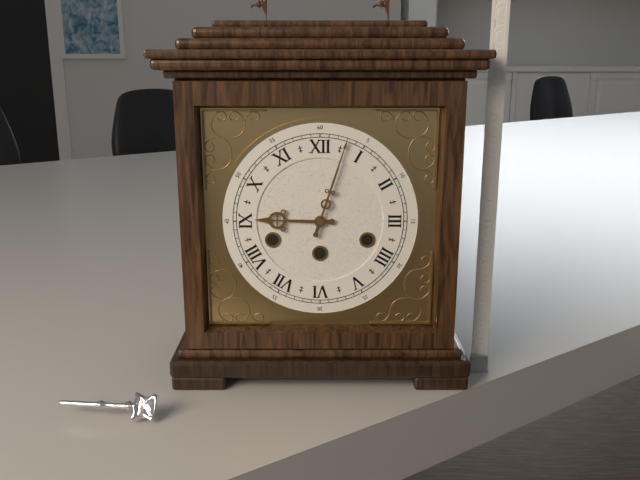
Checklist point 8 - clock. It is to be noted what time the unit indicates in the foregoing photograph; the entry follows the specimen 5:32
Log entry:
9:03
